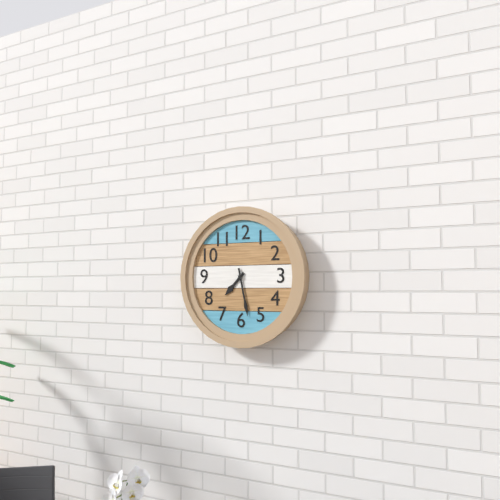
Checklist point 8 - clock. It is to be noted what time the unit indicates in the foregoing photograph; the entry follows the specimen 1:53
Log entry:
7:28
